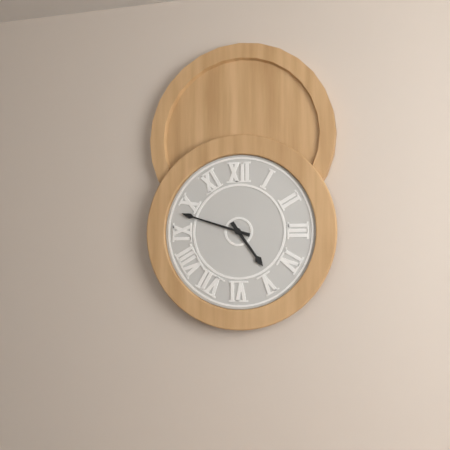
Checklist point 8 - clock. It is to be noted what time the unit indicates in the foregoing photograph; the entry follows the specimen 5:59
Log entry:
4:48
